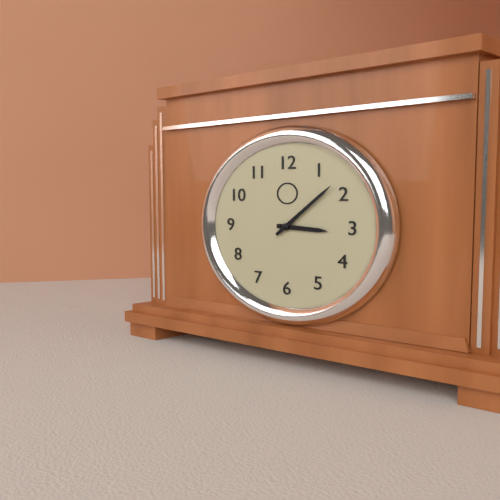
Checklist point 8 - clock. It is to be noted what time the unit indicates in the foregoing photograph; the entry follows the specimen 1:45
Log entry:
3:08
